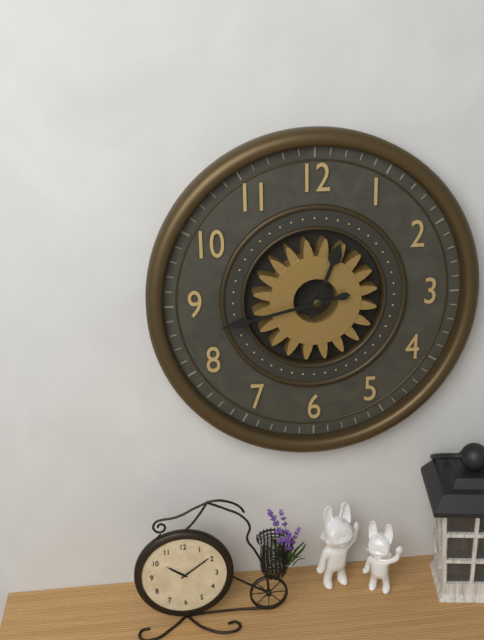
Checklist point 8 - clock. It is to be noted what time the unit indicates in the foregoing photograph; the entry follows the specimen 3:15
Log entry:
12:43
